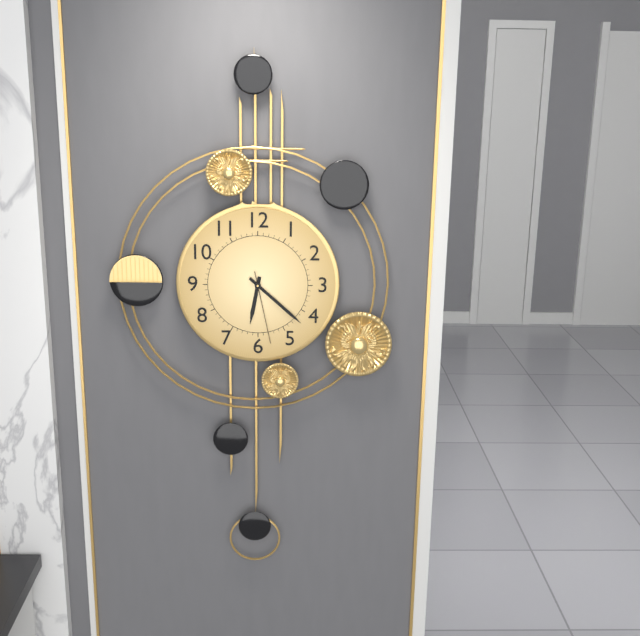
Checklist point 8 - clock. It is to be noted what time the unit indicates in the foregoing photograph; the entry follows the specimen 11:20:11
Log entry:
6:22:28
